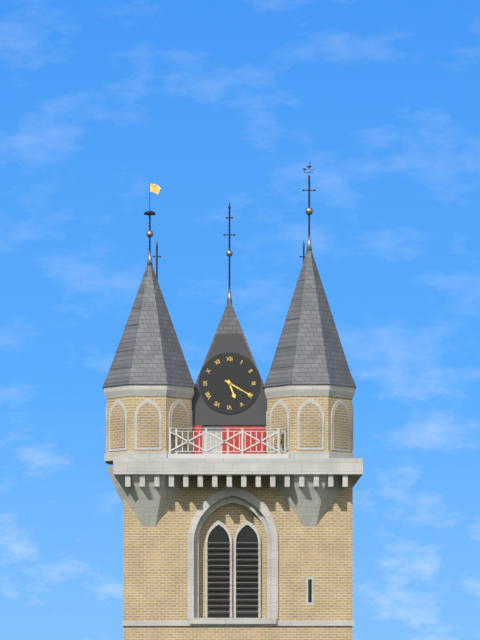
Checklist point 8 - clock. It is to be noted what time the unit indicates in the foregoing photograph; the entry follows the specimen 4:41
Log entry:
5:20
